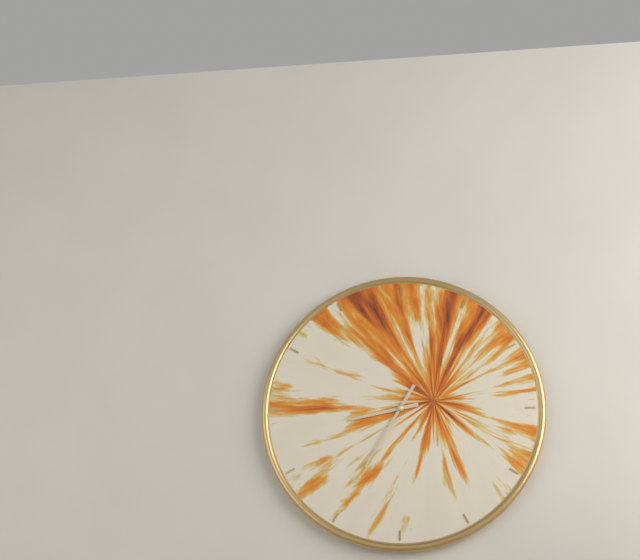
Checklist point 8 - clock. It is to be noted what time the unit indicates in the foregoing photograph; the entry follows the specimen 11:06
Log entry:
8:35
